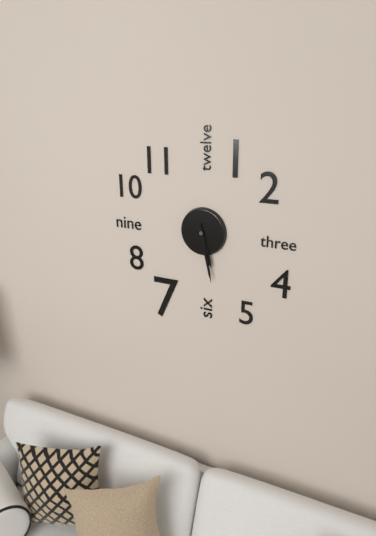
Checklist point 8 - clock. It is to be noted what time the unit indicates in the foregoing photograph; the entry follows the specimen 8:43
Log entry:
5:28
